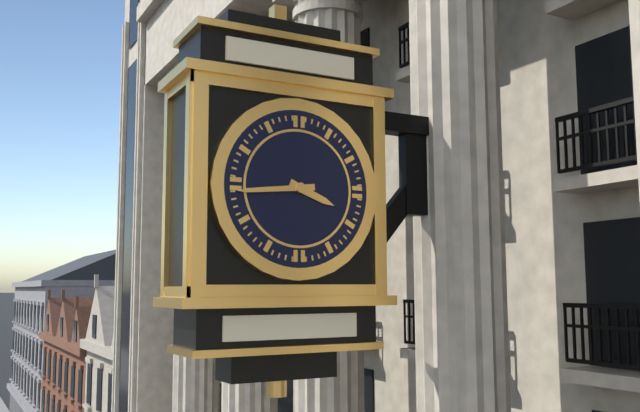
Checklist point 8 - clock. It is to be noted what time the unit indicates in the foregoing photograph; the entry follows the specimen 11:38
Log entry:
3:44
